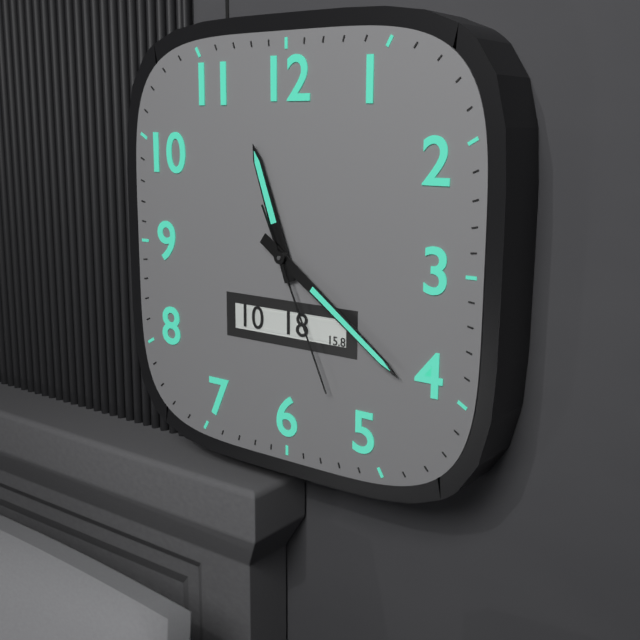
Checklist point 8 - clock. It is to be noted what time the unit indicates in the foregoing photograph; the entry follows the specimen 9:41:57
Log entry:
11:21:26
